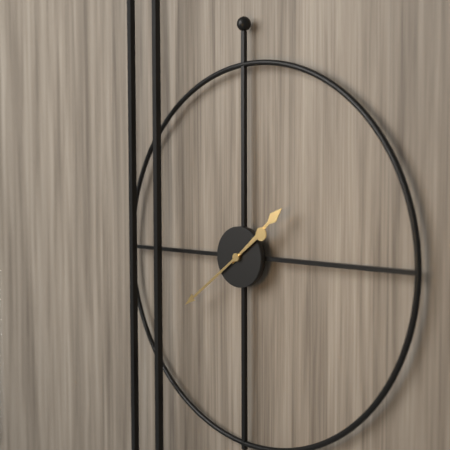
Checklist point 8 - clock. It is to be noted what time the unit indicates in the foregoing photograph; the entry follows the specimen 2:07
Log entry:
1:39
